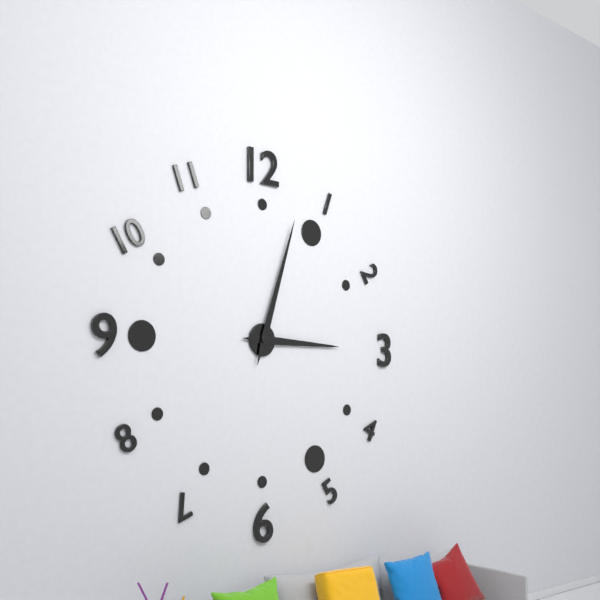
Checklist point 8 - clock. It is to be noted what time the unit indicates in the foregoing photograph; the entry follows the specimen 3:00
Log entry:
3:03
